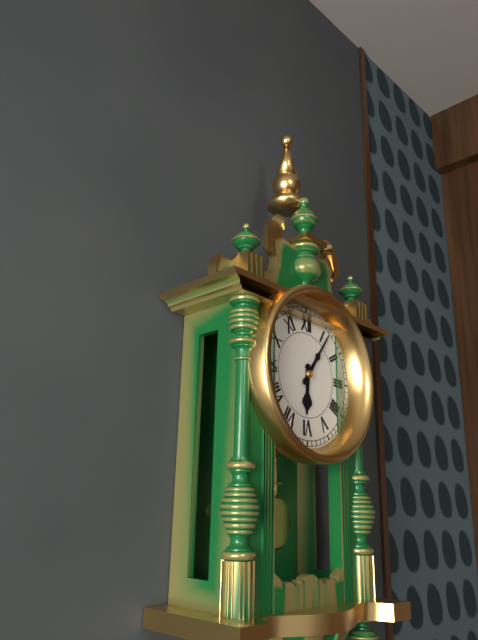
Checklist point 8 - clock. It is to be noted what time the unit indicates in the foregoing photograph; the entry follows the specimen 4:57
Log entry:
6:06
